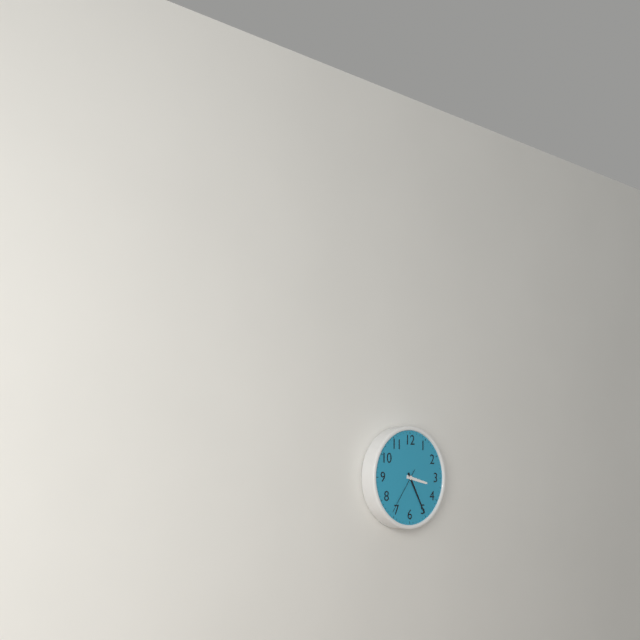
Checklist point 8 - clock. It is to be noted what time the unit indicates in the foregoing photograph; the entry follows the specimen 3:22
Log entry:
3:25
